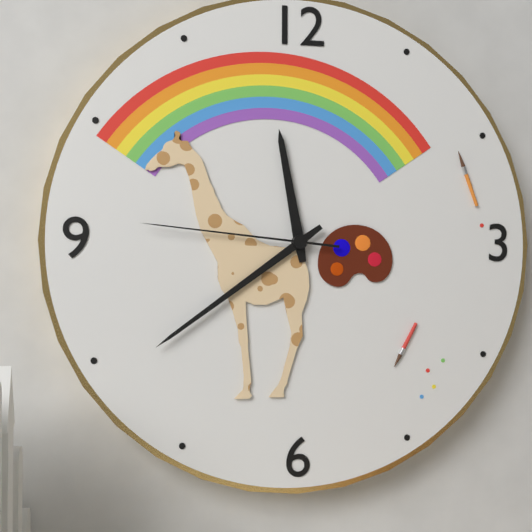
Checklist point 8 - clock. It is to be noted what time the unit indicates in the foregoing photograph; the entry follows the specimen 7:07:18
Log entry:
11:39:46
